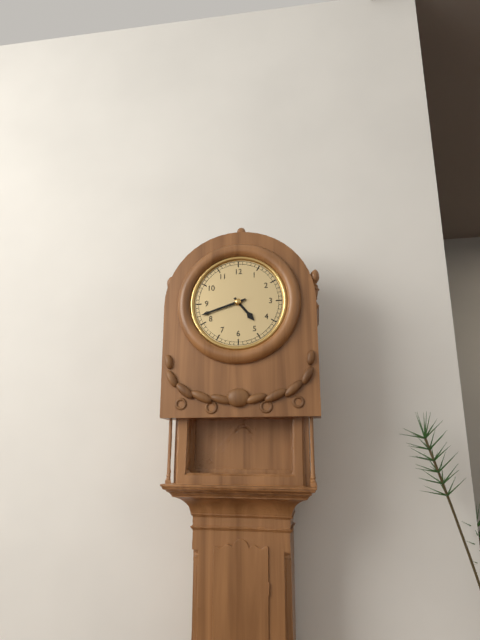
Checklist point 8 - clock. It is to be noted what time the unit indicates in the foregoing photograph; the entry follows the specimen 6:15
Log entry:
4:42
